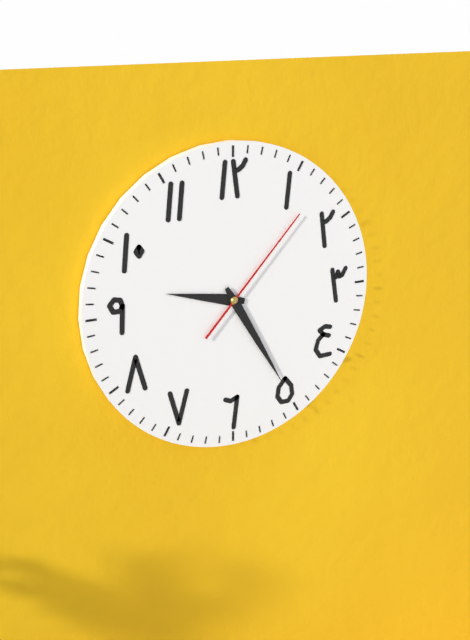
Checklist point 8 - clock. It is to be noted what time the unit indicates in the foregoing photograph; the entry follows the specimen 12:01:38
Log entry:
9:25:07
